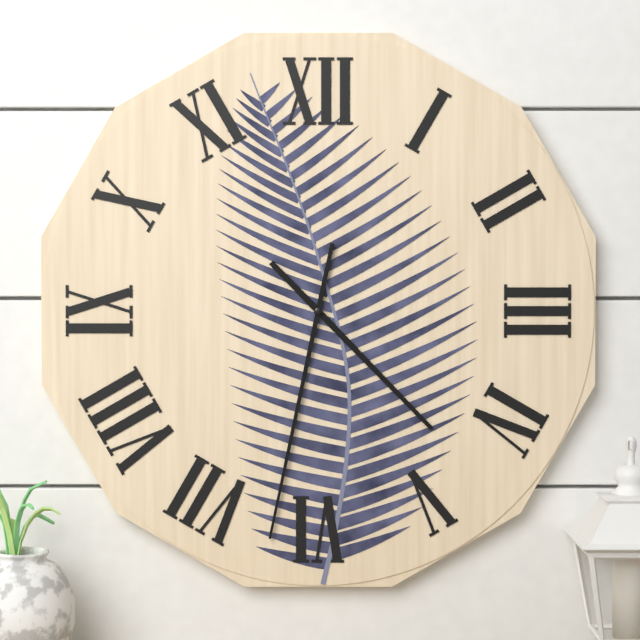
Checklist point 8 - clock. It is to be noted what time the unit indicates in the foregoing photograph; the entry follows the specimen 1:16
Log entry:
4:32
